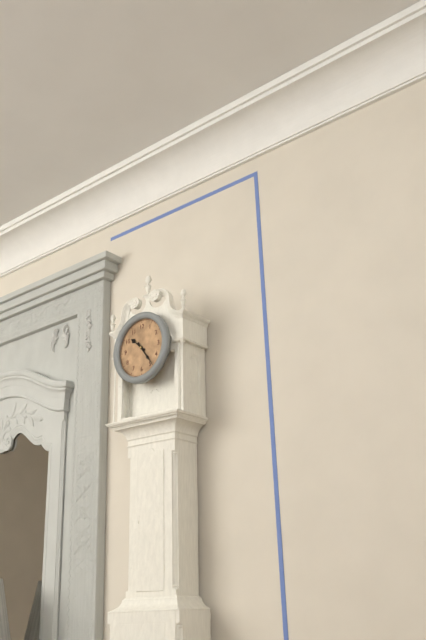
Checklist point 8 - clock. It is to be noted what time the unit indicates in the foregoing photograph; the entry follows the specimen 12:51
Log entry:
10:24
